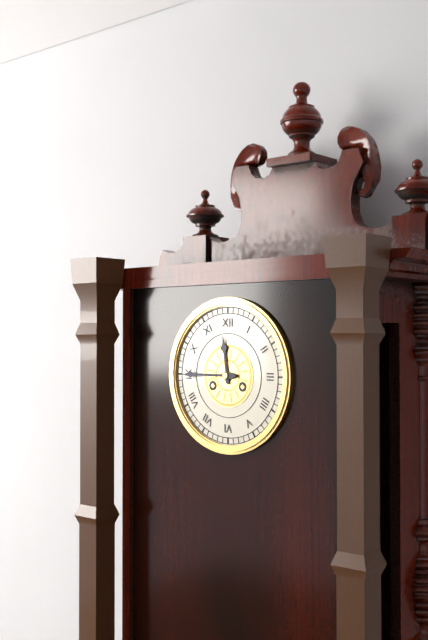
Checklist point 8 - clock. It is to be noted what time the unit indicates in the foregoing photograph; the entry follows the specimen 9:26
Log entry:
11:45
